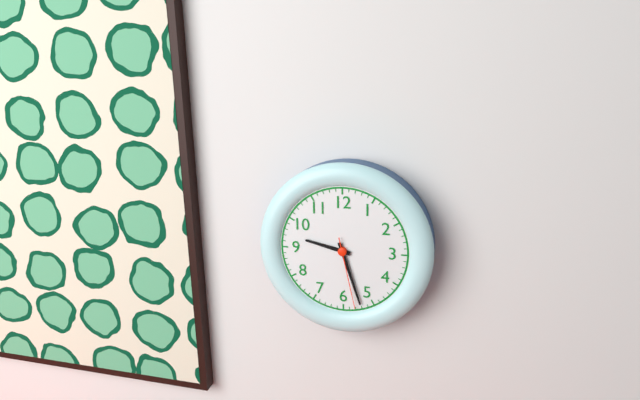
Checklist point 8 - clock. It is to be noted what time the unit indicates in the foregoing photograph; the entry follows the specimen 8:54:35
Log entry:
9:27:28
